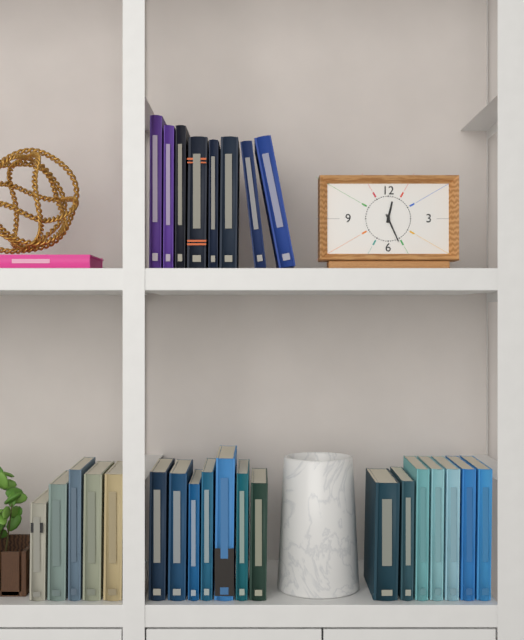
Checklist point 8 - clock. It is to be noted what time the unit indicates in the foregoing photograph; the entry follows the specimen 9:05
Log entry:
12:26
